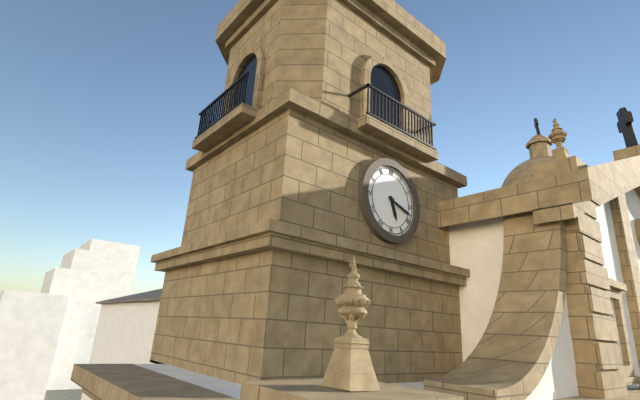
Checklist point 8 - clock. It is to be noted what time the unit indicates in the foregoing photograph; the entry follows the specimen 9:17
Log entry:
5:18
